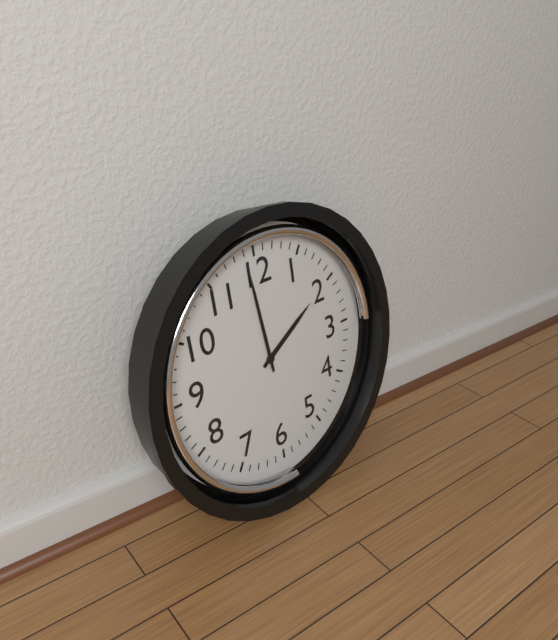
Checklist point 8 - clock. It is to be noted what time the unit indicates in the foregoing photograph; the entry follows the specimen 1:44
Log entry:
1:59
